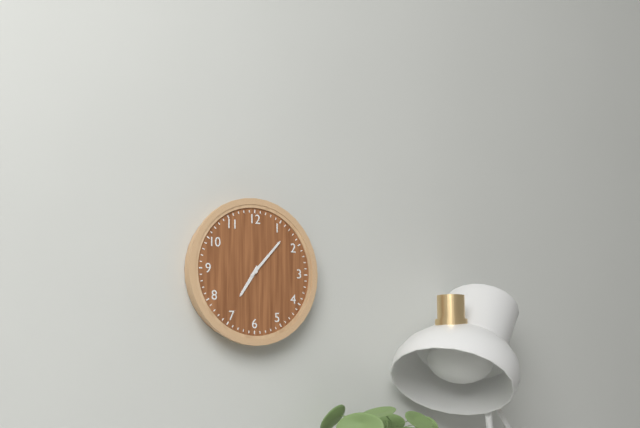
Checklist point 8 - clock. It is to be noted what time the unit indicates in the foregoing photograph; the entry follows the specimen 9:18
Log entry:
7:07
